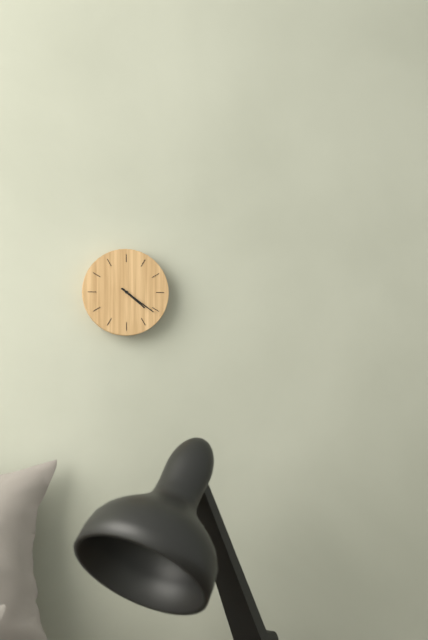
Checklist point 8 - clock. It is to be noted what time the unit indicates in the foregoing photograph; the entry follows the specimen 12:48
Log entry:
4:21
